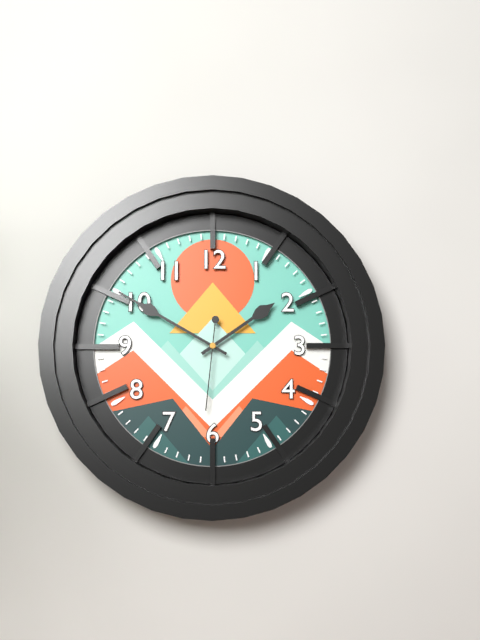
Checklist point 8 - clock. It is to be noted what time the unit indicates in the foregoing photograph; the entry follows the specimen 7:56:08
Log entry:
1:50:31
